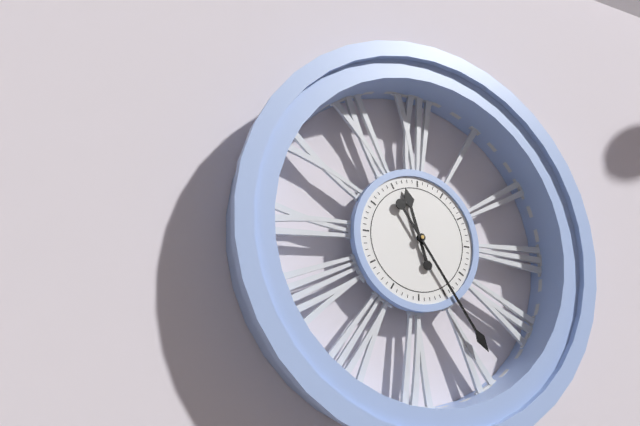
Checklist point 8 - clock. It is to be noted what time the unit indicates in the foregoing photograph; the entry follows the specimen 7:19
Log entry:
11:24
